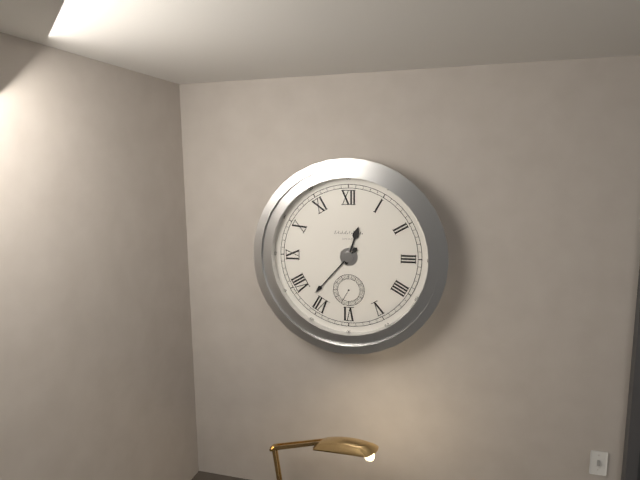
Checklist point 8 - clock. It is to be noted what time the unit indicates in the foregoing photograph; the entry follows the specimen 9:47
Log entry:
12:37
